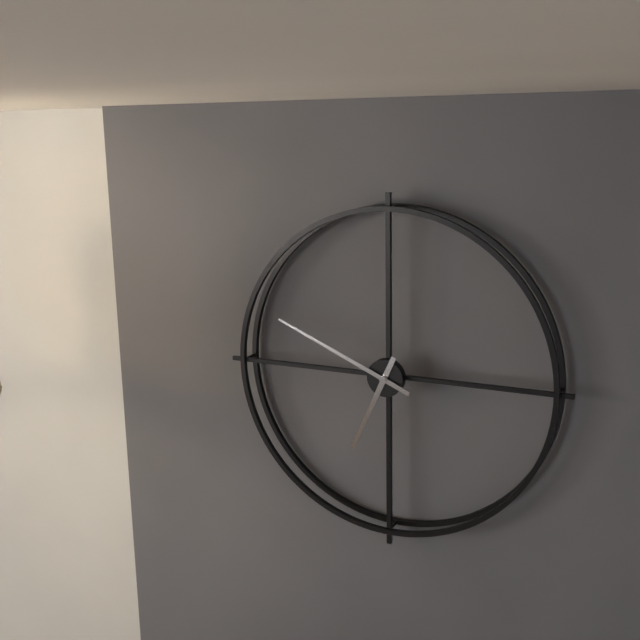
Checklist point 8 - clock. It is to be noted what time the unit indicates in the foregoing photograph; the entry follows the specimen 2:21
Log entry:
6:49
